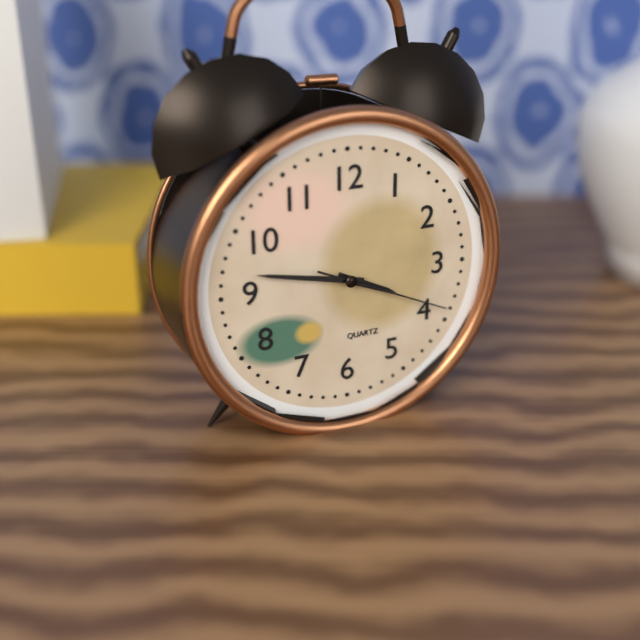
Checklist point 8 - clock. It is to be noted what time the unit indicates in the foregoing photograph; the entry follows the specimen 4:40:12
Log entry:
3:47:19
